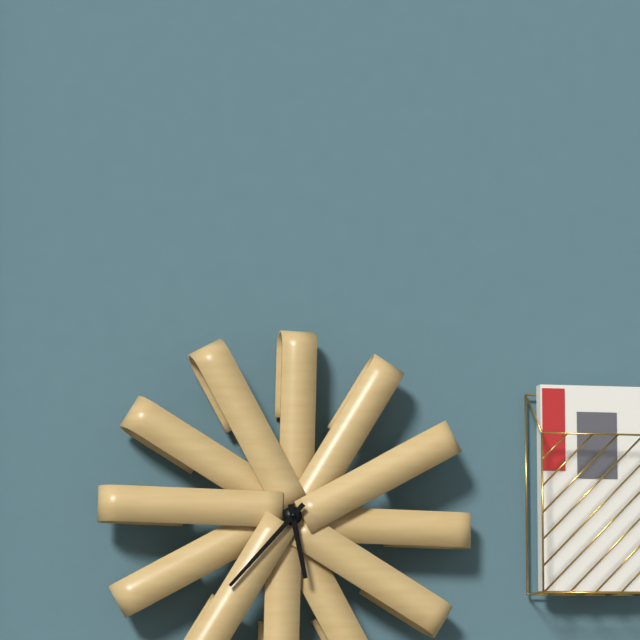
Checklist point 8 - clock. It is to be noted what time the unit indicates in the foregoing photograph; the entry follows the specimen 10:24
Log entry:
5:37
